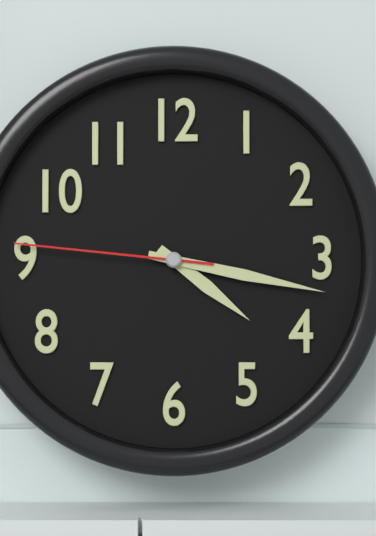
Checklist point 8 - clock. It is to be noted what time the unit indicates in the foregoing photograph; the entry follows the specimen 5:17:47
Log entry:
4:17:46
